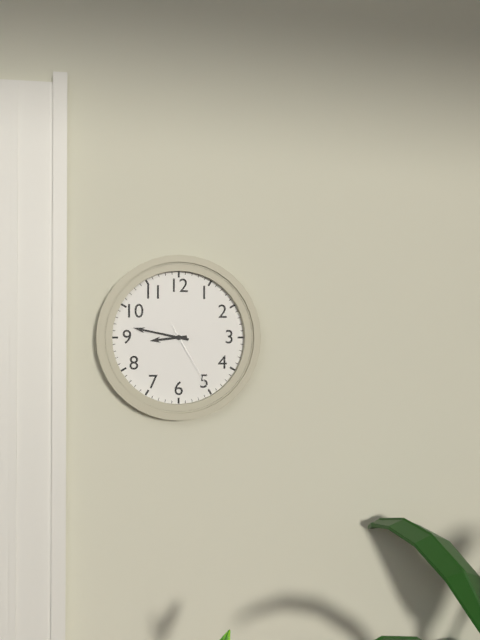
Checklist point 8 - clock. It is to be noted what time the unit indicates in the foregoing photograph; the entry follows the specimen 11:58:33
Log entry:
8:47:25
